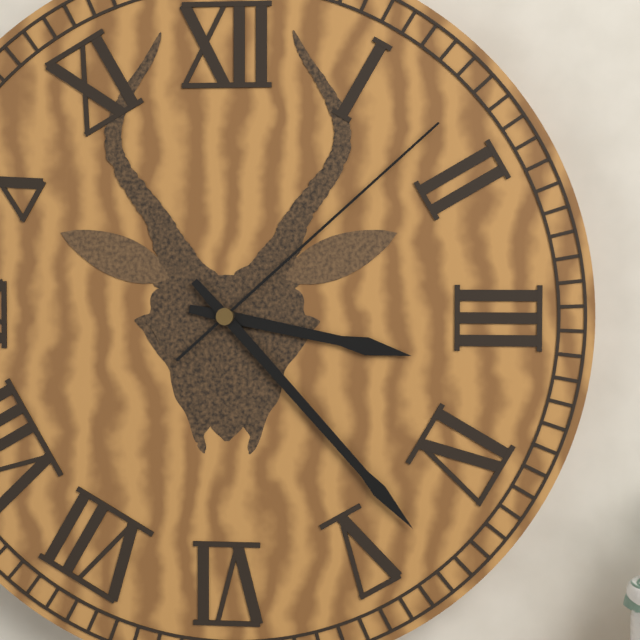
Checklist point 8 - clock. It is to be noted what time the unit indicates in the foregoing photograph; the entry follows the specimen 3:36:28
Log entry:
3:23:08
